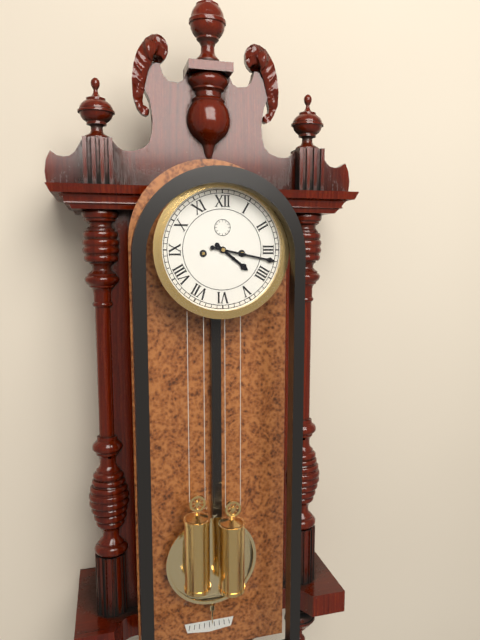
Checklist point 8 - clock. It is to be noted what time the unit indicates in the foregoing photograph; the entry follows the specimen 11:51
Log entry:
4:17
